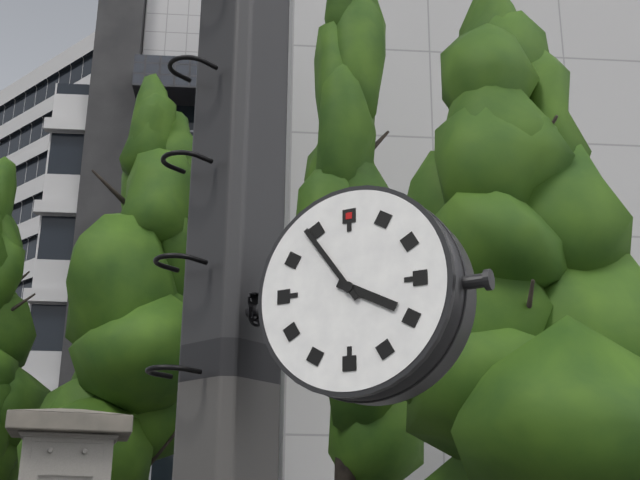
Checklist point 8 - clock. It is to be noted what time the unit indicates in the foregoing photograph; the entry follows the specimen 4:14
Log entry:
3:54
